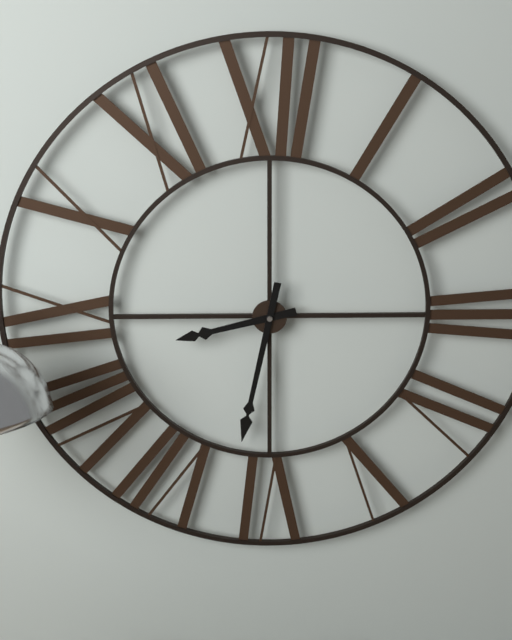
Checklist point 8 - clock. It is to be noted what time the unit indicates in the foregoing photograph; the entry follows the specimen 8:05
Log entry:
8:32
